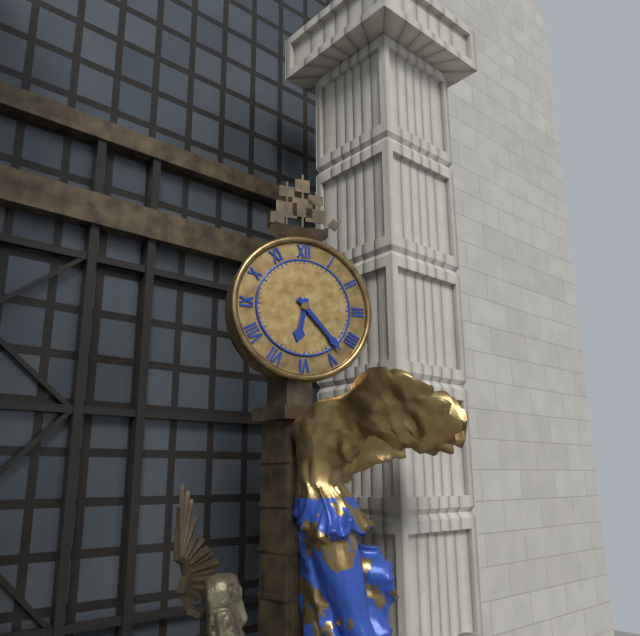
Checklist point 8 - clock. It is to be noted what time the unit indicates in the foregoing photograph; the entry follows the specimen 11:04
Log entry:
6:23
